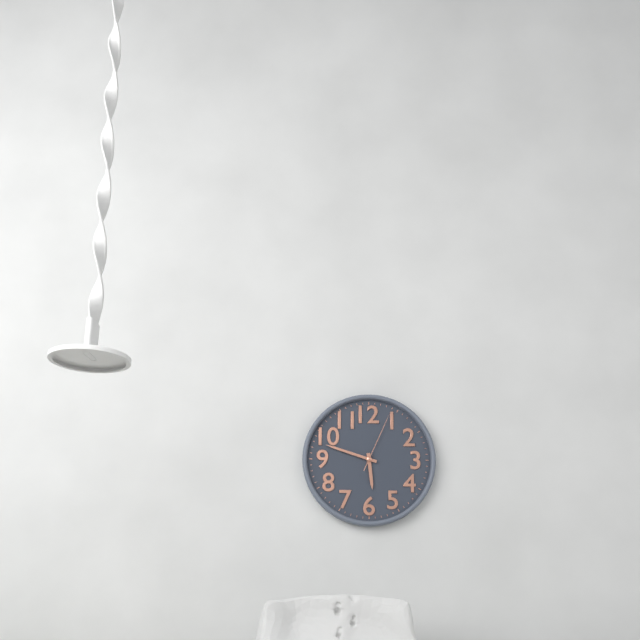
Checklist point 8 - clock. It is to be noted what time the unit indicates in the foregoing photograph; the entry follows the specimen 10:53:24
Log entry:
5:48:04
